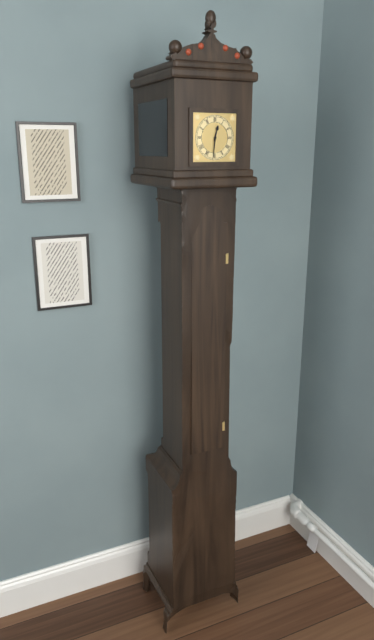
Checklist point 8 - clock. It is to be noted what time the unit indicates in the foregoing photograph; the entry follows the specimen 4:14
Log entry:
12:31
